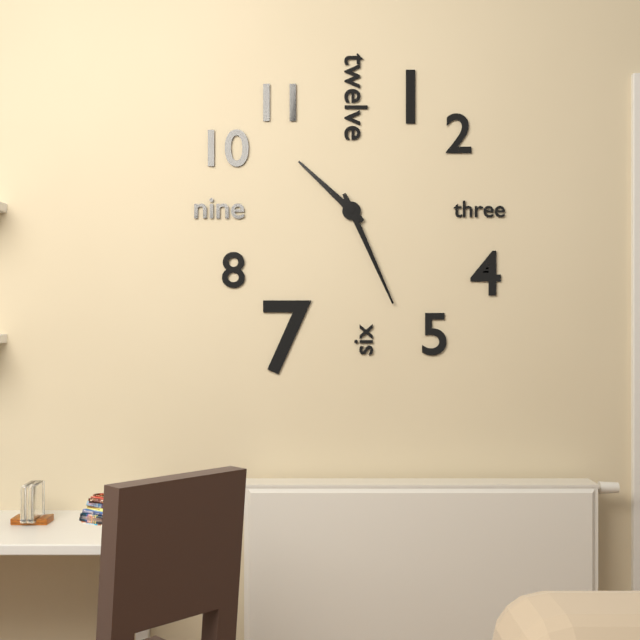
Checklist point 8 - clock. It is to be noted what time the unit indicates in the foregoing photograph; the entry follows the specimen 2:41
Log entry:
10:26
